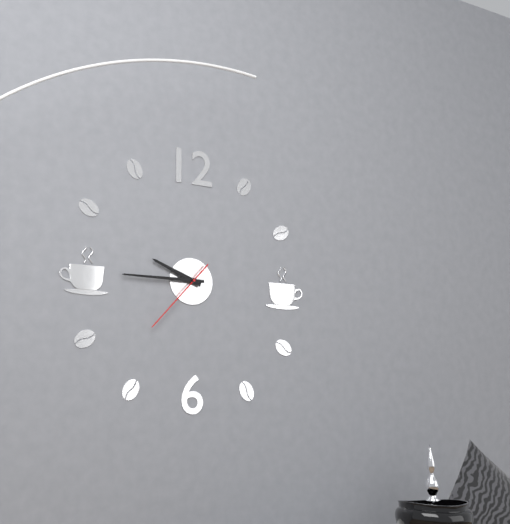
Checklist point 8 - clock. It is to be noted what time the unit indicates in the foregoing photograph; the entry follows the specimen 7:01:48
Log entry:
9:45:37
